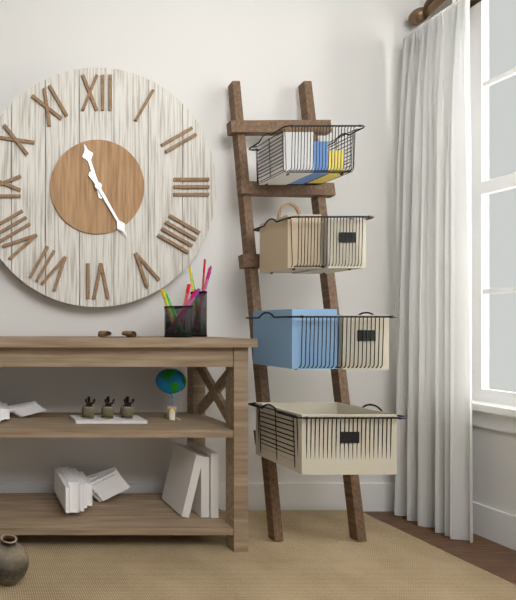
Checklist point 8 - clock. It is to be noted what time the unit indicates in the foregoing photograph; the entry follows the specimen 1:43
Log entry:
11:25
